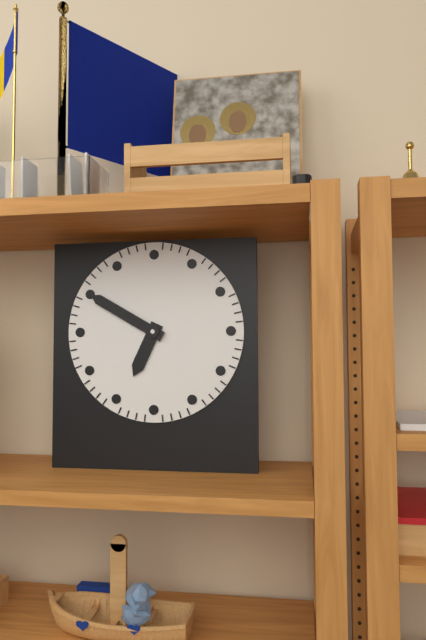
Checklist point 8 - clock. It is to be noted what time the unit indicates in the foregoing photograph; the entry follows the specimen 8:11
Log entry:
6:50
